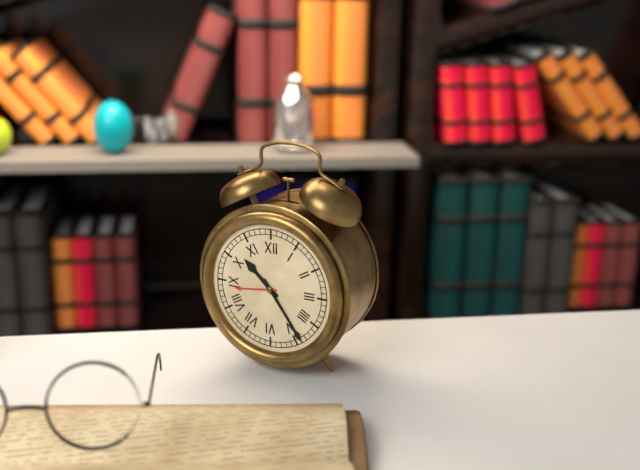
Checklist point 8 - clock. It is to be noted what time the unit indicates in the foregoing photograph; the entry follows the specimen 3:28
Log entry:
10:24
